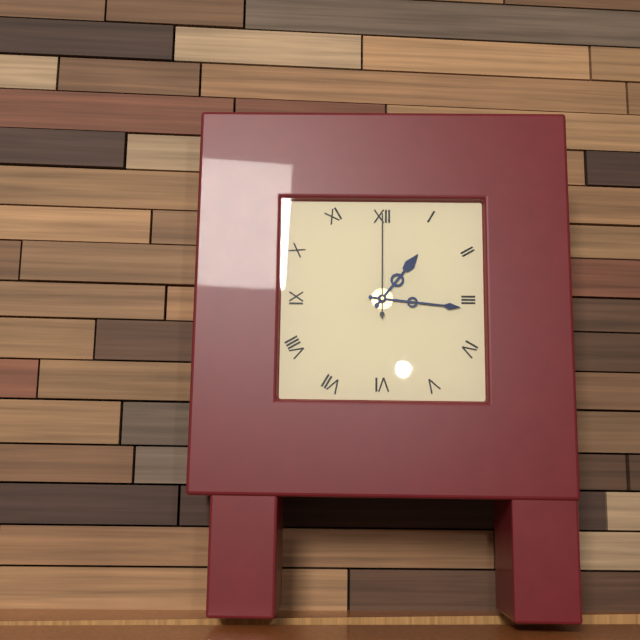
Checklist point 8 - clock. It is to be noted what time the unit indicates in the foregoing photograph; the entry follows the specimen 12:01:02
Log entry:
1:16:00
